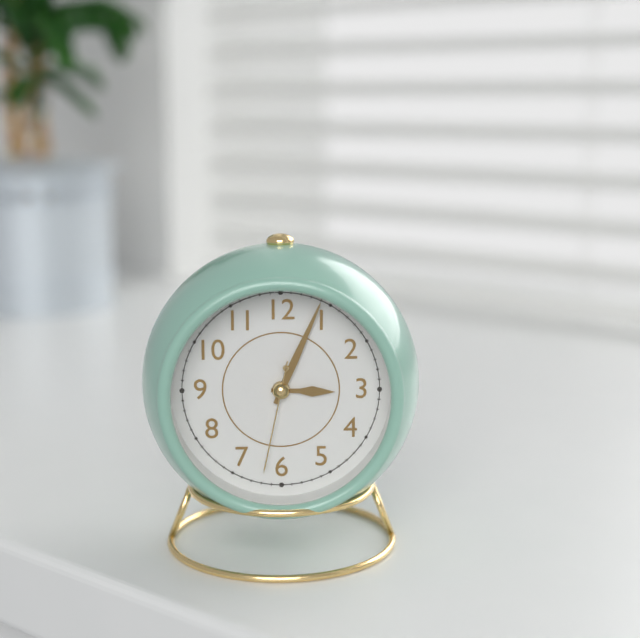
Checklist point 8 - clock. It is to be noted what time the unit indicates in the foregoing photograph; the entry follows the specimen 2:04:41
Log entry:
3:04:32
